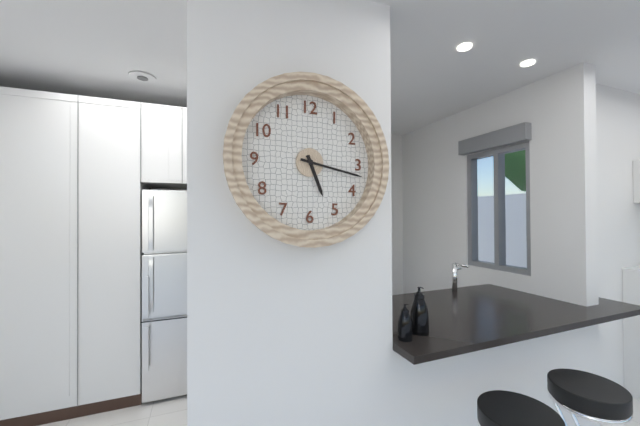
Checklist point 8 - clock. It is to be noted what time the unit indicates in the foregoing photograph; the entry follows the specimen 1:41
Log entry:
5:17
